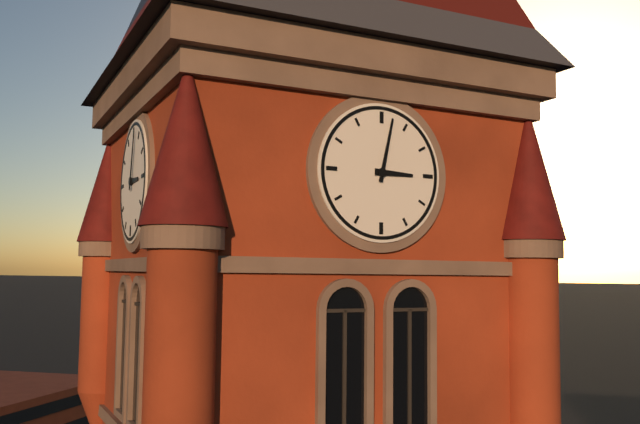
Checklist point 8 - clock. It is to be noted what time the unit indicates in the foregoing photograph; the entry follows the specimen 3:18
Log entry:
3:02
